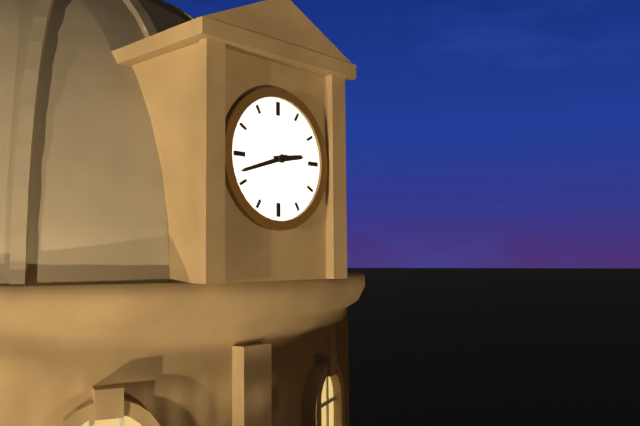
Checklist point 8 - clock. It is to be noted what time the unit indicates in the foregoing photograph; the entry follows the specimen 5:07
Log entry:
2:42
